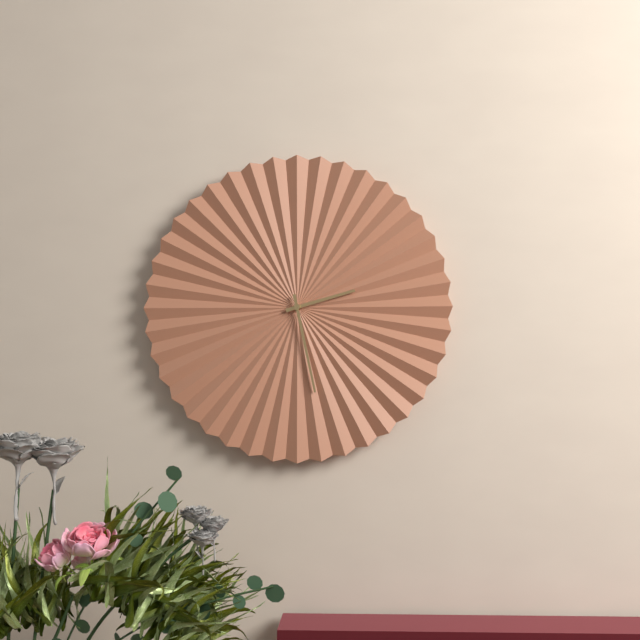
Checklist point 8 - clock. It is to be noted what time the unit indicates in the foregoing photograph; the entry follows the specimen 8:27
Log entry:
2:28
